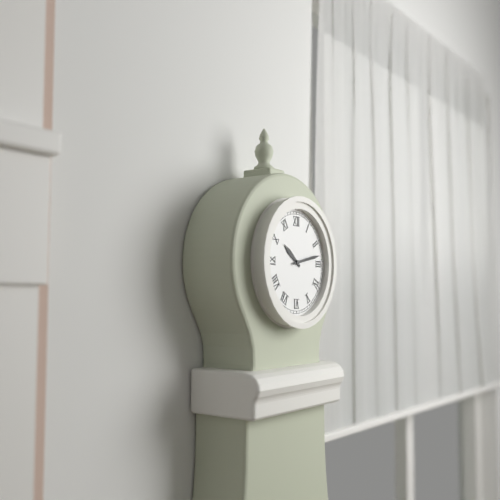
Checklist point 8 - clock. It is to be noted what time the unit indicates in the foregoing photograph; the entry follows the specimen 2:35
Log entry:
10:13
